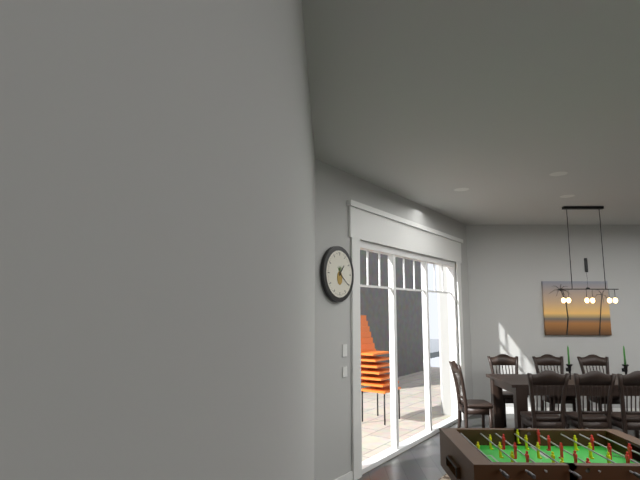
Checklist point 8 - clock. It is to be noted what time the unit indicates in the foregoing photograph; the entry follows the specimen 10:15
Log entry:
1:21
